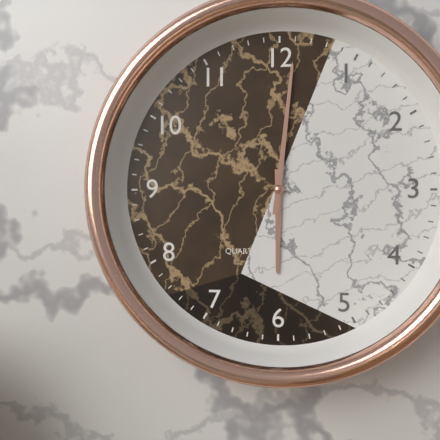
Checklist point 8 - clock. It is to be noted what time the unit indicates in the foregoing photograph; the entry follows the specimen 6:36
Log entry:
6:01
